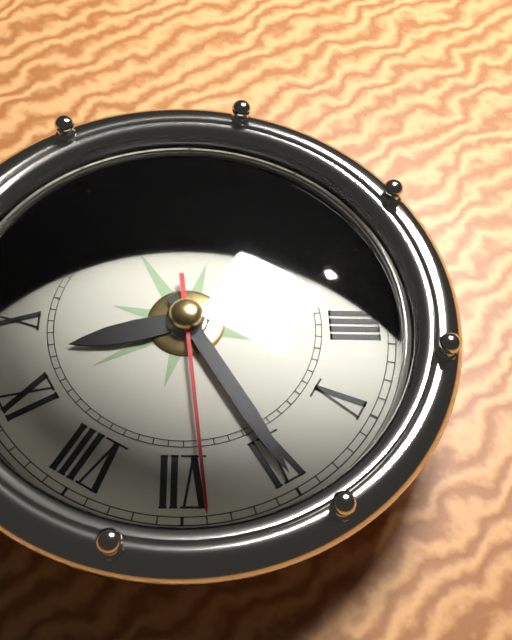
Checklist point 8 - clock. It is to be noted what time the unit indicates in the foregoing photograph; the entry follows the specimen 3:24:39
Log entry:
9:30:34
